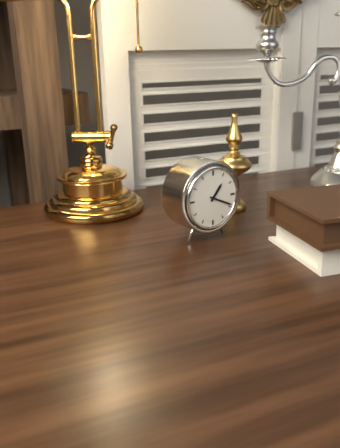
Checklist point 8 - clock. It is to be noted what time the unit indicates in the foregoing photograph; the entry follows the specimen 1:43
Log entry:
1:19
